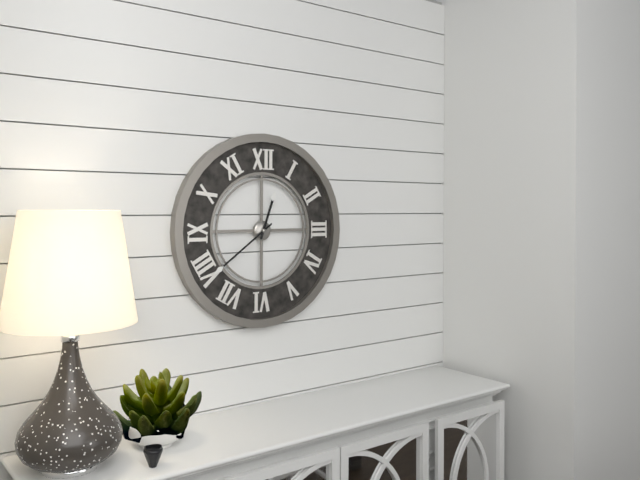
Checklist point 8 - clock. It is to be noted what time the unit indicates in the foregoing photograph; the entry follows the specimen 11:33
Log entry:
12:39
